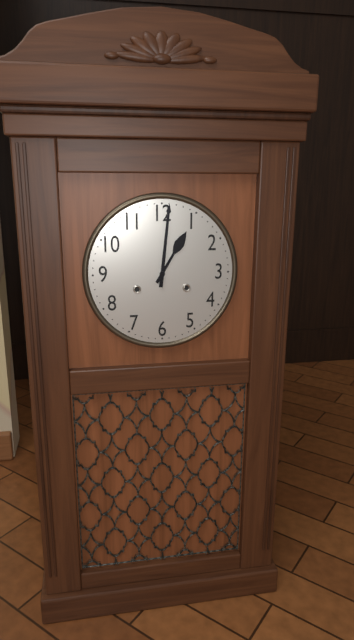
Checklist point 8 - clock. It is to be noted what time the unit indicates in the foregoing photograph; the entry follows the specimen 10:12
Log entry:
1:01
